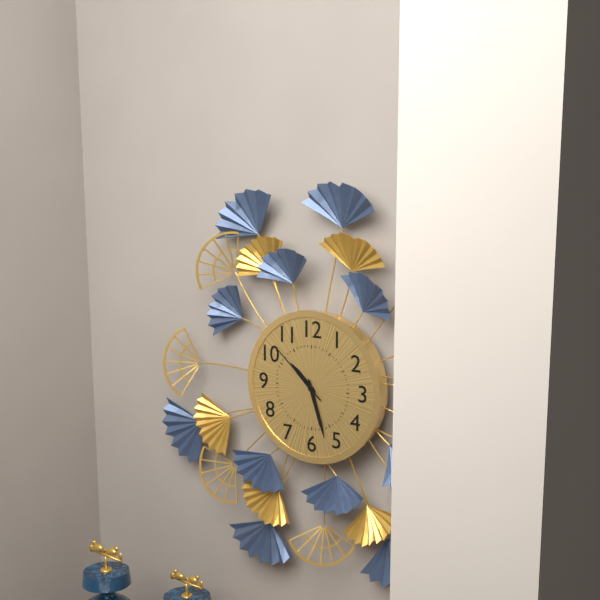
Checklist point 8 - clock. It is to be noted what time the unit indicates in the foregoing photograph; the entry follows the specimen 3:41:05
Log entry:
10:27:52
